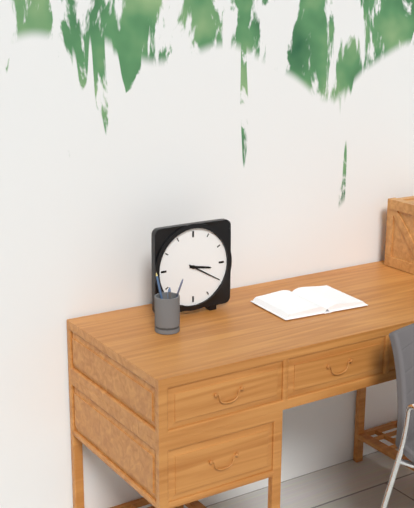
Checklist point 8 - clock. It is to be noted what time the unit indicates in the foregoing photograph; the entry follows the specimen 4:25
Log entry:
3:20
